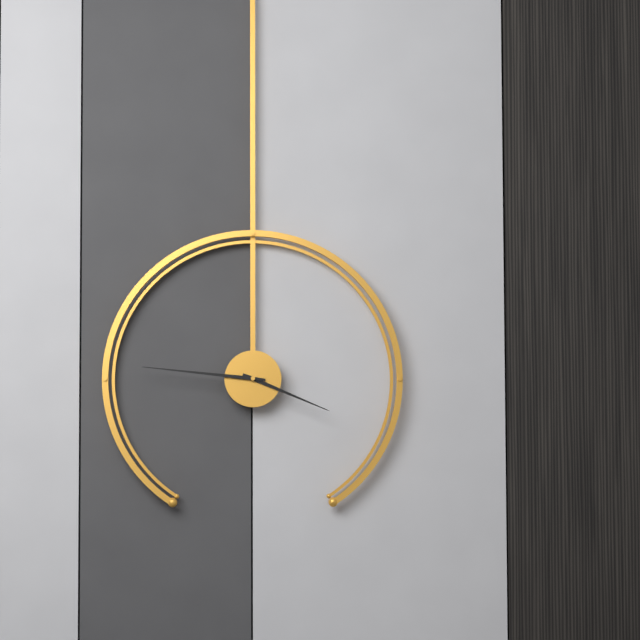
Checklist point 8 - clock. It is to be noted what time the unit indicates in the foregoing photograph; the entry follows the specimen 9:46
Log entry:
3:46
